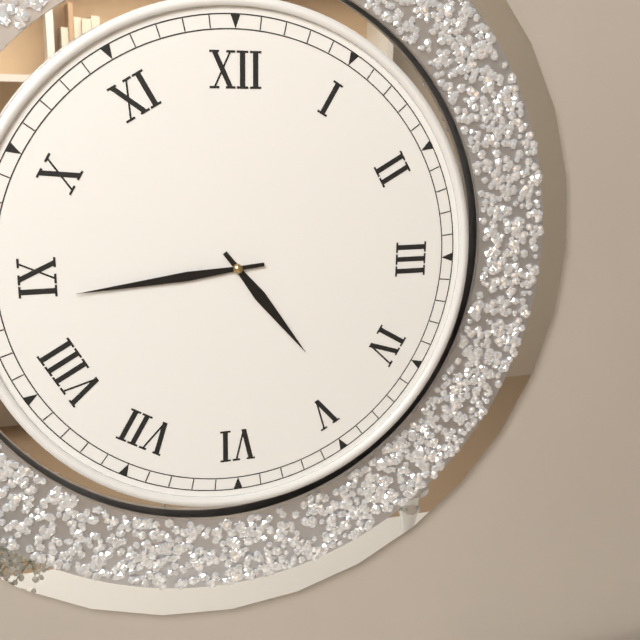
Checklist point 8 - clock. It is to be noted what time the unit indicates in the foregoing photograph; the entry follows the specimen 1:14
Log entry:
4:44
